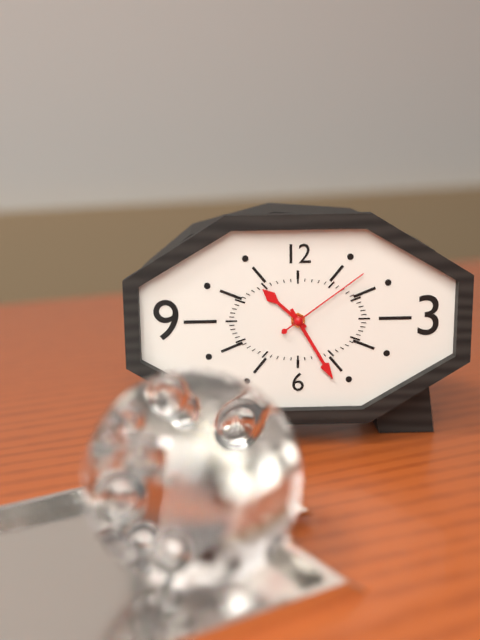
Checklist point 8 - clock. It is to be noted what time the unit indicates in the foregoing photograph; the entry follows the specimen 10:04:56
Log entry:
10:25:09
